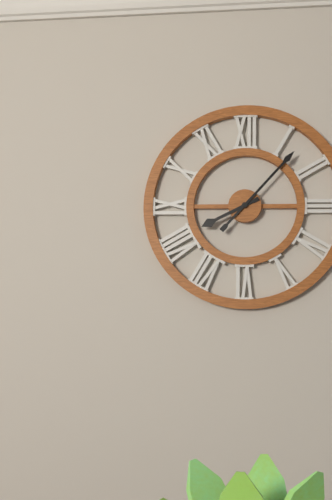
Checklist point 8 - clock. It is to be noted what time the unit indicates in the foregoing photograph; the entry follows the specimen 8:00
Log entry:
8:07
